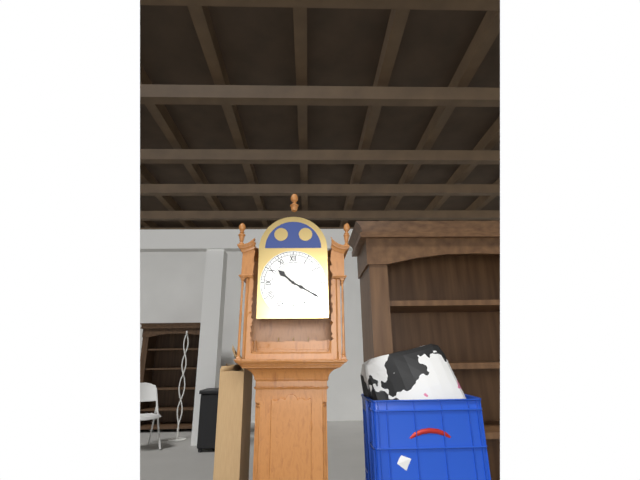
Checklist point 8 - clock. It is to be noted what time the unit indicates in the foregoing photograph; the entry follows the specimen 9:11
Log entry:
10:20
